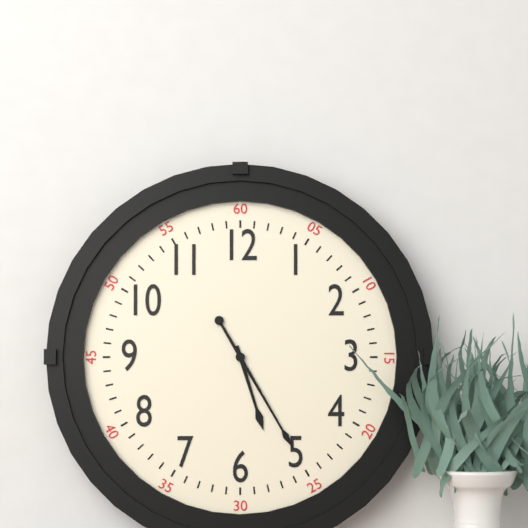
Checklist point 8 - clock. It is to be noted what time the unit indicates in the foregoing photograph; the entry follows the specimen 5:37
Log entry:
5:25
